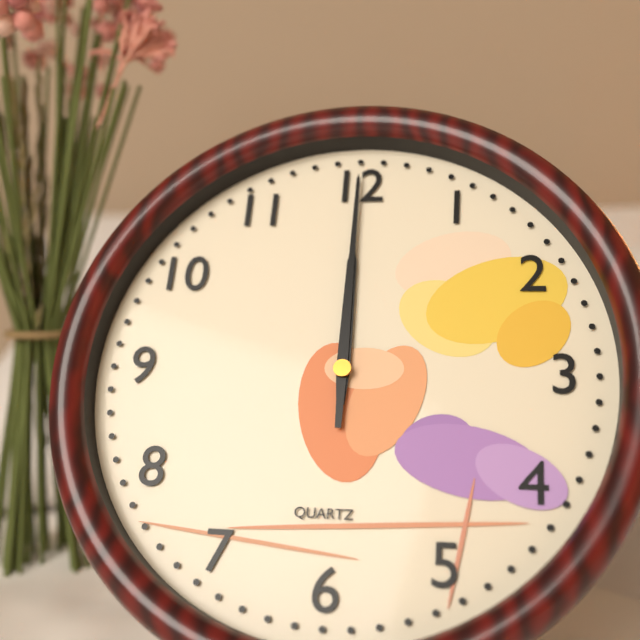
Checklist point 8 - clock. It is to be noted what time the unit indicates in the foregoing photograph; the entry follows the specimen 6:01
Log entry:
12:00
